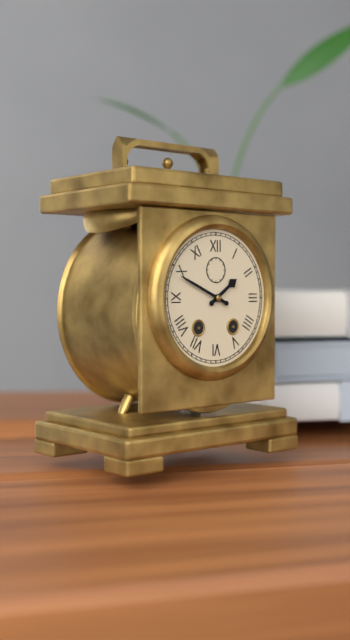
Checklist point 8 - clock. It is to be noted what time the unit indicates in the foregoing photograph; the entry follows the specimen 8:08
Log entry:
1:49
